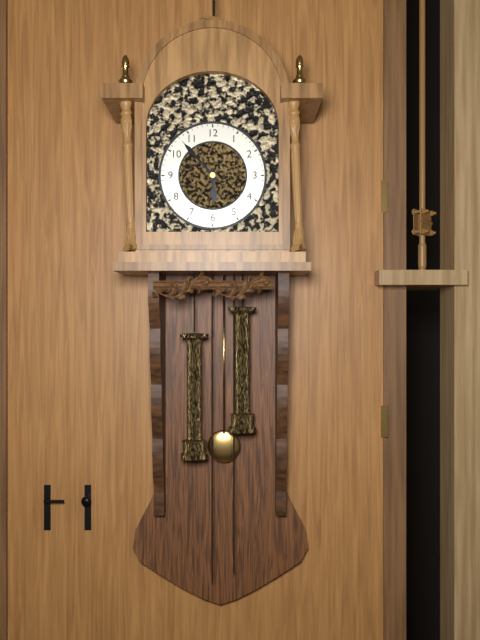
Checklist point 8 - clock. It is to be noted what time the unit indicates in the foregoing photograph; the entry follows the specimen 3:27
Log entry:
5:53
